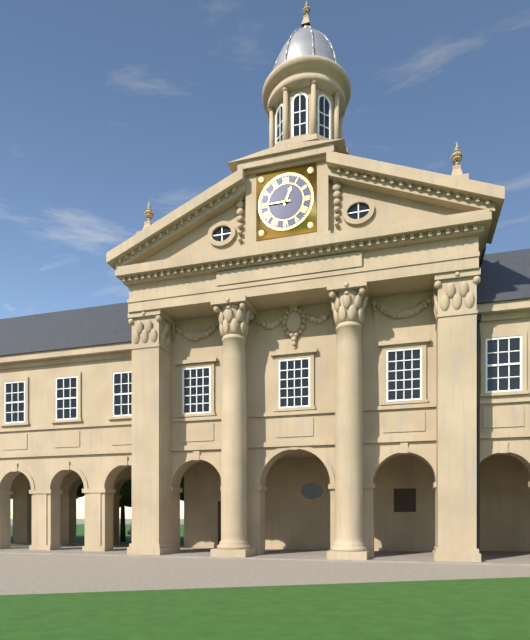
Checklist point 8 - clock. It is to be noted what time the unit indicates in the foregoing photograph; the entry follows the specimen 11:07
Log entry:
12:45
